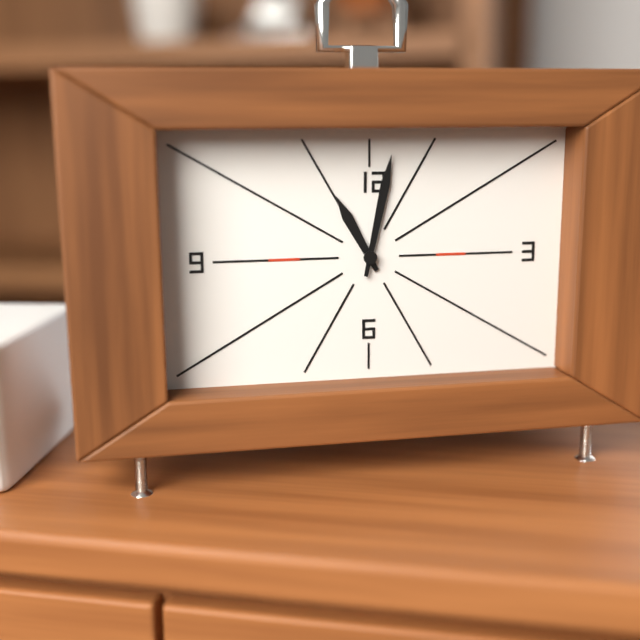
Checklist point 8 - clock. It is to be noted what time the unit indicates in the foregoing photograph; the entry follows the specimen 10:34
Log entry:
11:02
